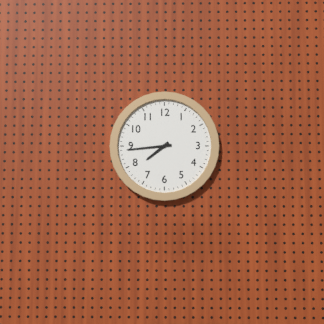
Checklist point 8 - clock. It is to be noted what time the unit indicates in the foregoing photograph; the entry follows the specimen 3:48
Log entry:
7:44
